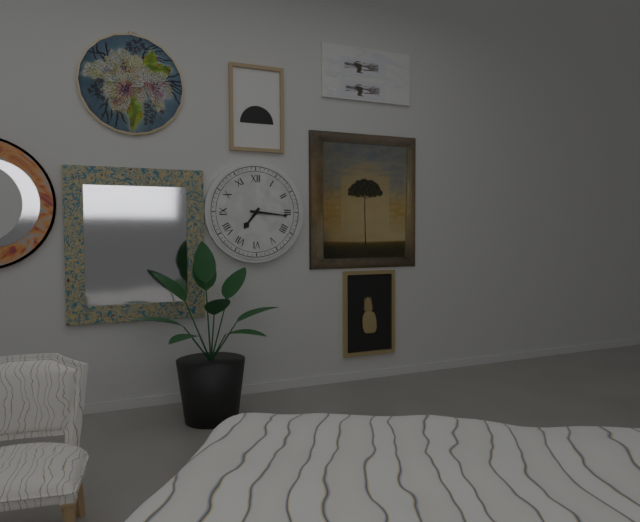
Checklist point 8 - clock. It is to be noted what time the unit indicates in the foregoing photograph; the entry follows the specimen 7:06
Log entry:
7:16
